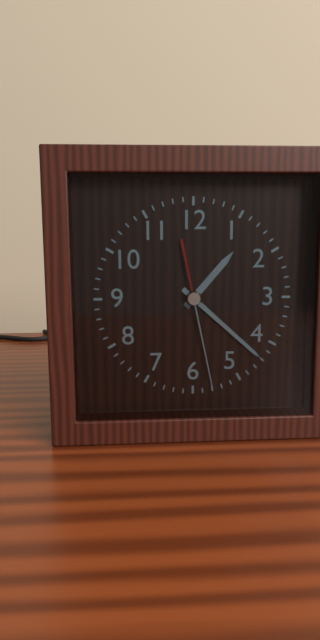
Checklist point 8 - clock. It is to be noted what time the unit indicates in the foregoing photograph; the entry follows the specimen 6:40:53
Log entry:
1:22:28
